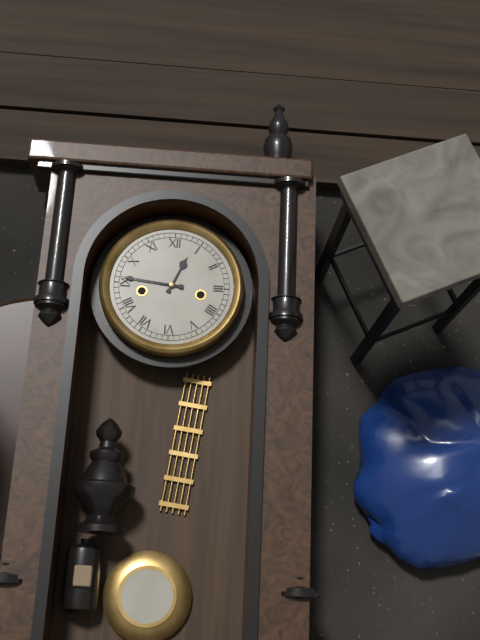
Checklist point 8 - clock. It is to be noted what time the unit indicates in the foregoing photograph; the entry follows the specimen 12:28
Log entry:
12:46
